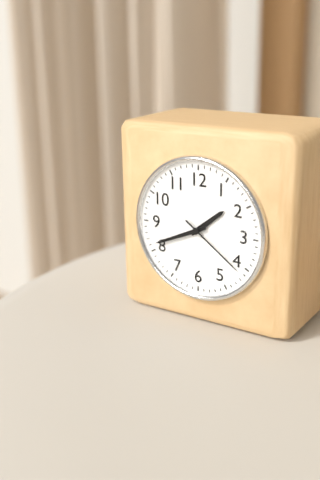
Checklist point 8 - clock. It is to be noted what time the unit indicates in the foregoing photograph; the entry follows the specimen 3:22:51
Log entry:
1:41:21
